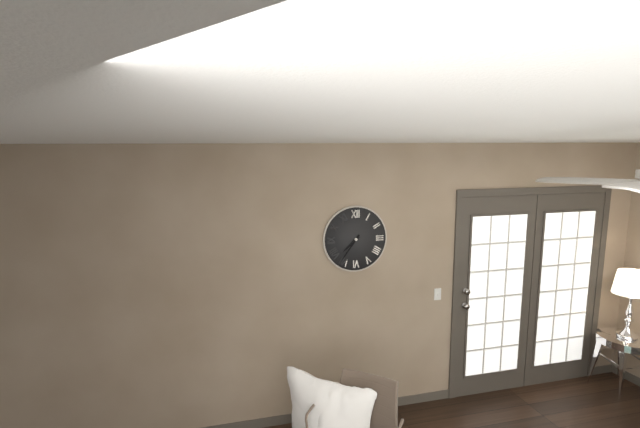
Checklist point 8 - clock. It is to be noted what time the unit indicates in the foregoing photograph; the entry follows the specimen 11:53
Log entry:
7:36
